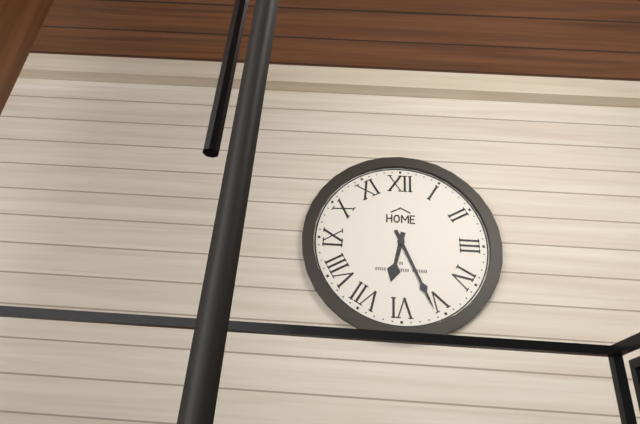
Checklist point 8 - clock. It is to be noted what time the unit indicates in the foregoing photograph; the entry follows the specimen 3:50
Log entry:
6:26
